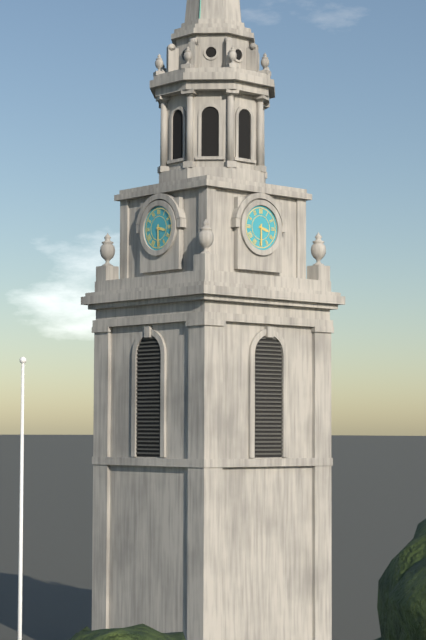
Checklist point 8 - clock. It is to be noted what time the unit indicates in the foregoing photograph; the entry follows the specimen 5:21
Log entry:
3:30
